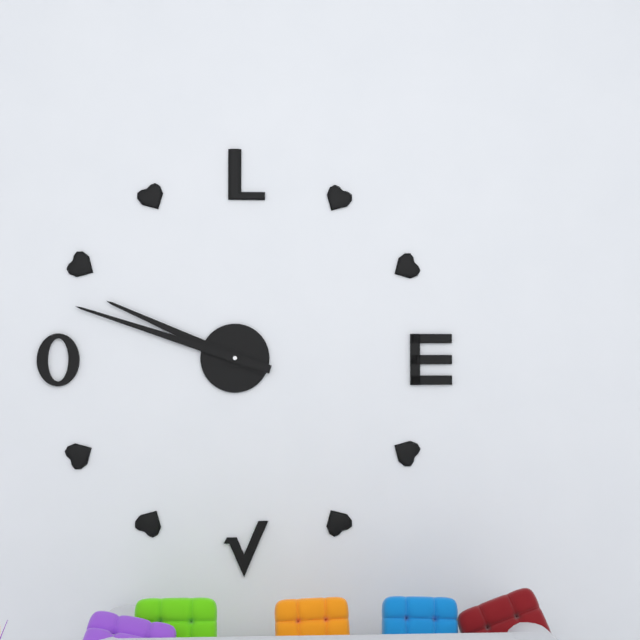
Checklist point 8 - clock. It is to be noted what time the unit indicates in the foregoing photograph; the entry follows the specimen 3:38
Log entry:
9:48
